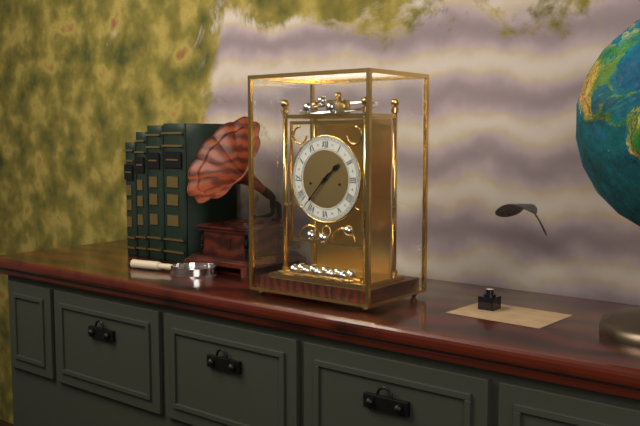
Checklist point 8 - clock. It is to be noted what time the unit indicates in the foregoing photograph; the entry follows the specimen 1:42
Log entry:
1:37
